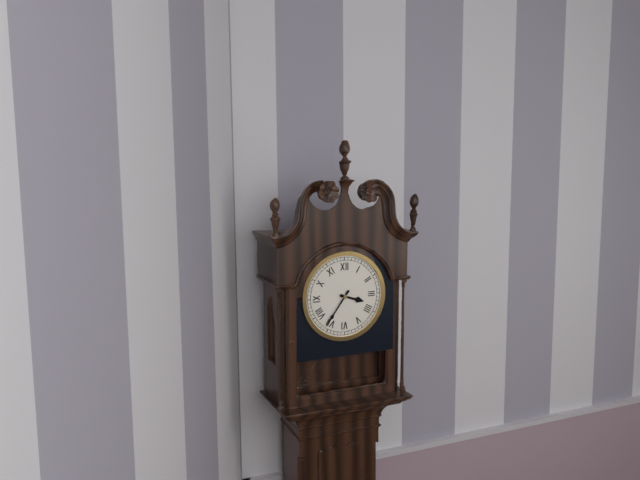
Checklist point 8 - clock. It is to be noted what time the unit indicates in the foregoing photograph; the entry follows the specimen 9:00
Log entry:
3:36
